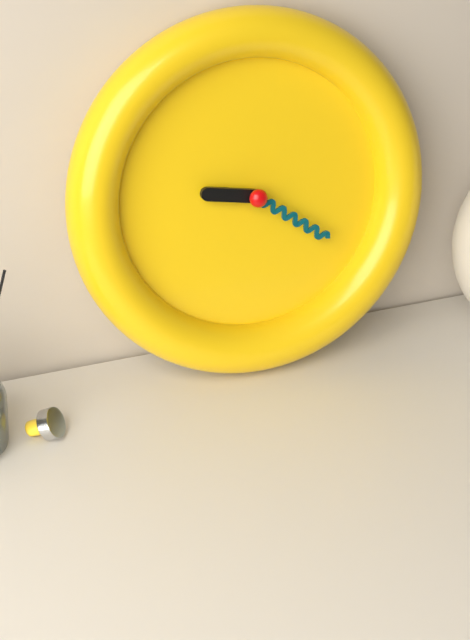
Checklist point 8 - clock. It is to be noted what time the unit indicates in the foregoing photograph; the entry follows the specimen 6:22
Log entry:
9:21
